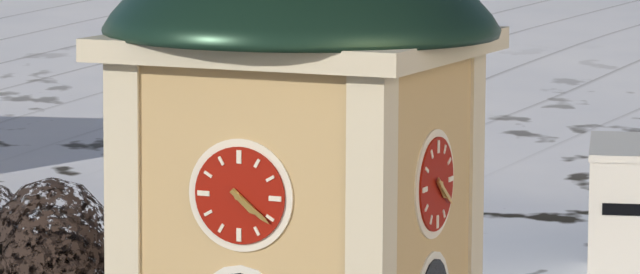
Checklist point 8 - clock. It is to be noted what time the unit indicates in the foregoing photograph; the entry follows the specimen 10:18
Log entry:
4:21
